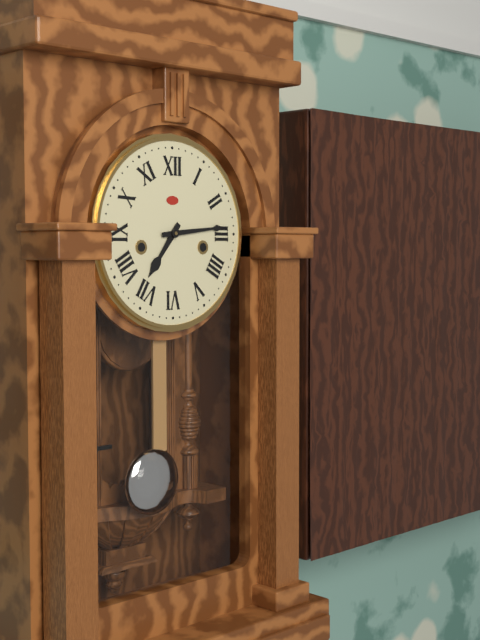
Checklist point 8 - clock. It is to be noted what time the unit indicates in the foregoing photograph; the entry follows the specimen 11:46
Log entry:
7:14
